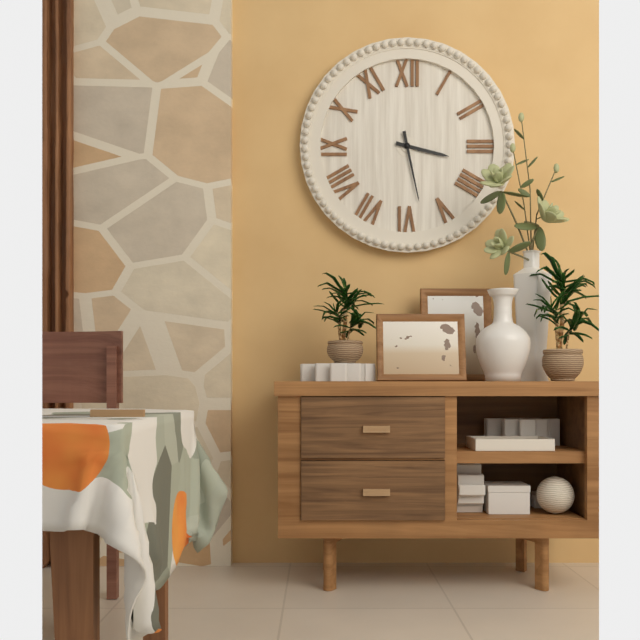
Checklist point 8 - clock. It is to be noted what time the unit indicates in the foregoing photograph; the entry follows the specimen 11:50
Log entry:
3:28
